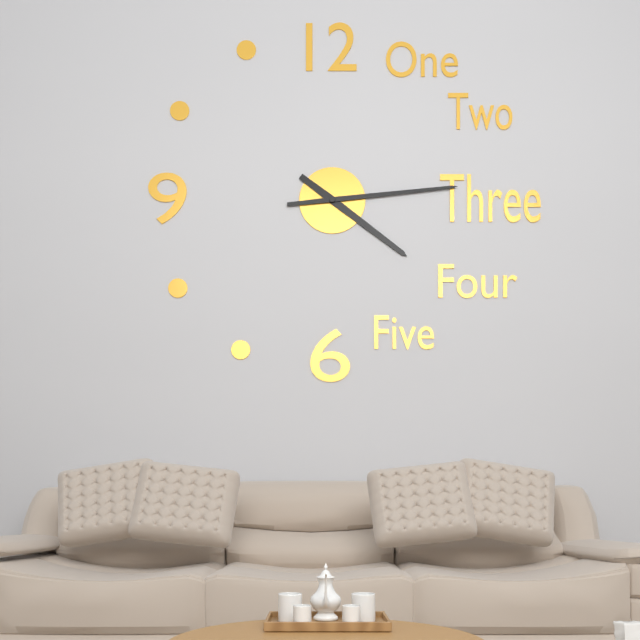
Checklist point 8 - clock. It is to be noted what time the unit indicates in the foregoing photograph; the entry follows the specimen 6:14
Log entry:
4:14
